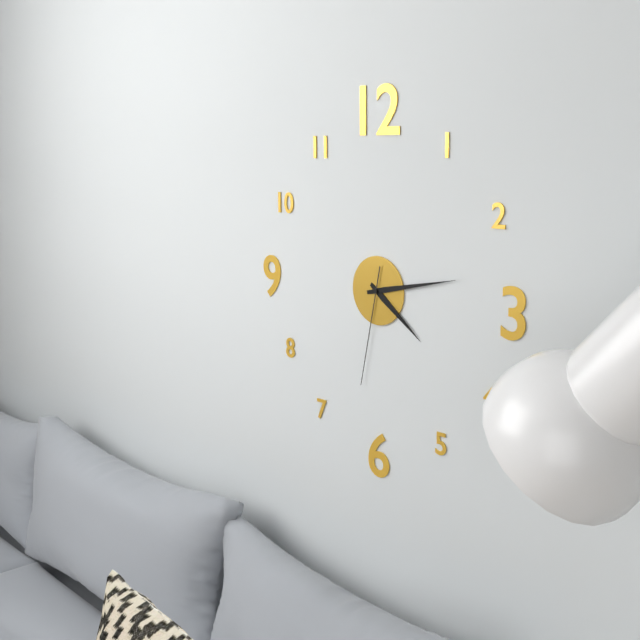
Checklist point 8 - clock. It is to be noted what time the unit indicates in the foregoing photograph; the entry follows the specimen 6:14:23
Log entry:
4:13:32
